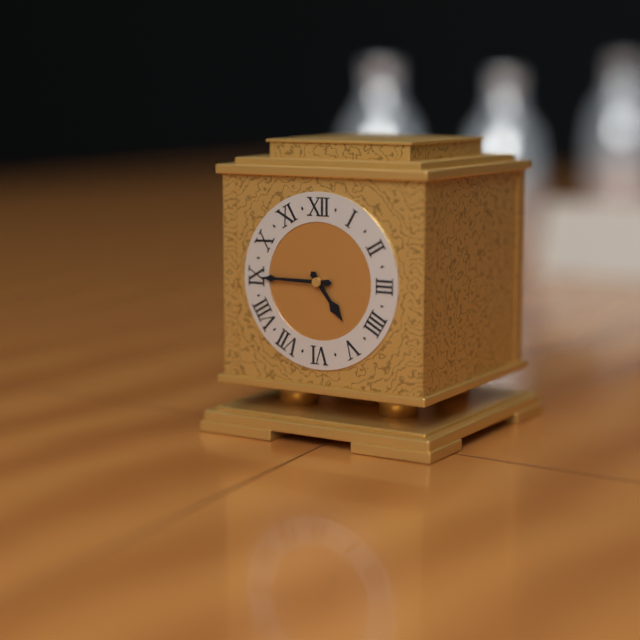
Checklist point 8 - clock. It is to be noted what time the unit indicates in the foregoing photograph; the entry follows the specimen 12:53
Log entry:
4:45
